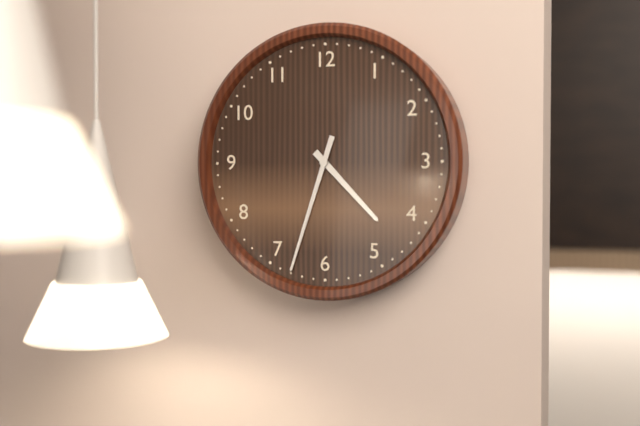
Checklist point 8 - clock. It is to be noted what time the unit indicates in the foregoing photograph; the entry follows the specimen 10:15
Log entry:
4:33
